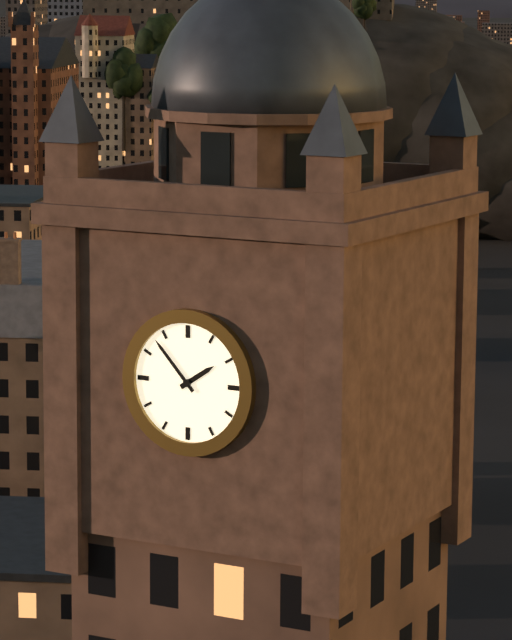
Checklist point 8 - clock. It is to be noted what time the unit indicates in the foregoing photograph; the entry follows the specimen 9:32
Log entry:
1:53
